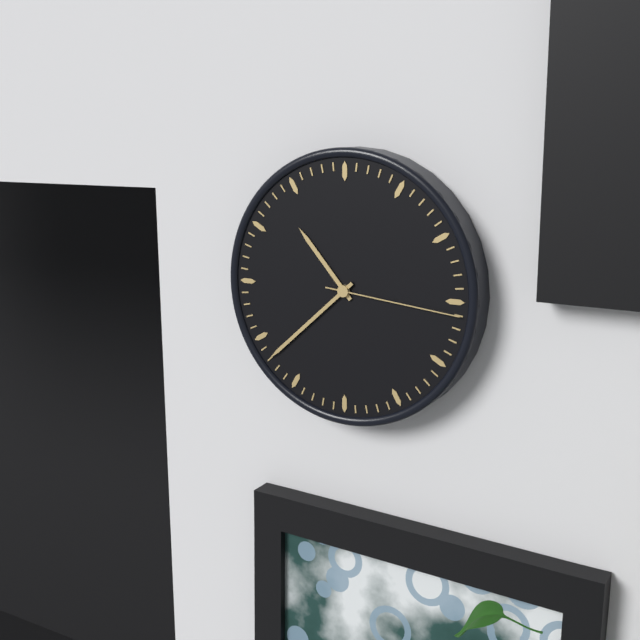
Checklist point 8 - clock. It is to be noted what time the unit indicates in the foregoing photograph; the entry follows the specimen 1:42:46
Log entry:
10:38:16
